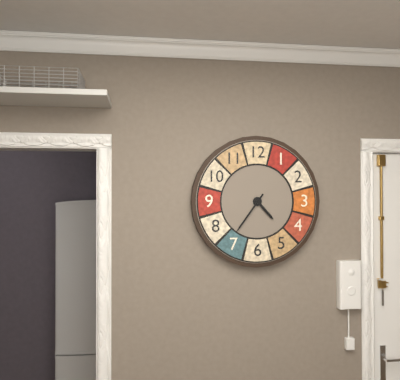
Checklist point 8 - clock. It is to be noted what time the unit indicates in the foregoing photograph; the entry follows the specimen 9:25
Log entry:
4:36
